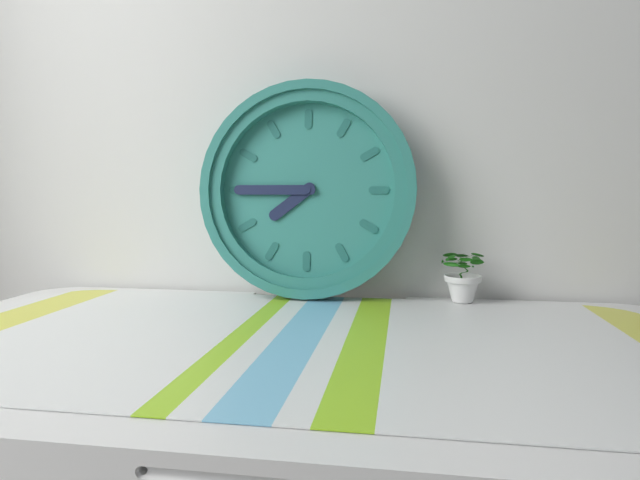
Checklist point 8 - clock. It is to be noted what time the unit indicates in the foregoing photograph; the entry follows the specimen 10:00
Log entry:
7:45
